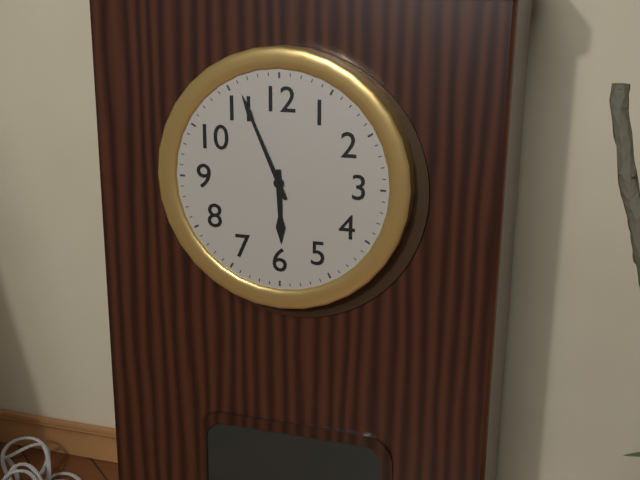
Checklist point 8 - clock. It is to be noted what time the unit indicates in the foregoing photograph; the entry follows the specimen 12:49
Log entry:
5:56
